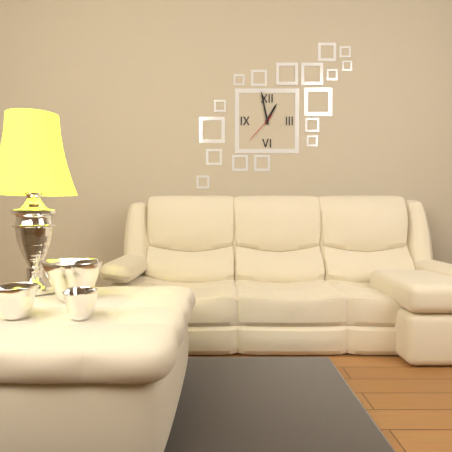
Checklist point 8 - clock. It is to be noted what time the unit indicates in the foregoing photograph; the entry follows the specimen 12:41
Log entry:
12:58
